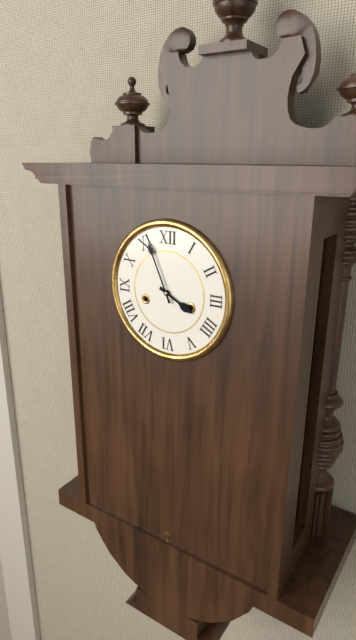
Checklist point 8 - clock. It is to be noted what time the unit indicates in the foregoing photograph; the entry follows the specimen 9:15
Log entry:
3:56
